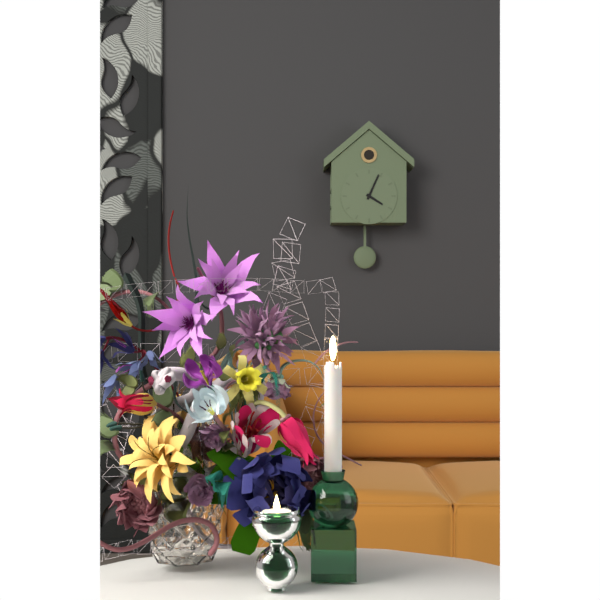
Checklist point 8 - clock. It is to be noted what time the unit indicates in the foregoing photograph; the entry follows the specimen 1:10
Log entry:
4:04
